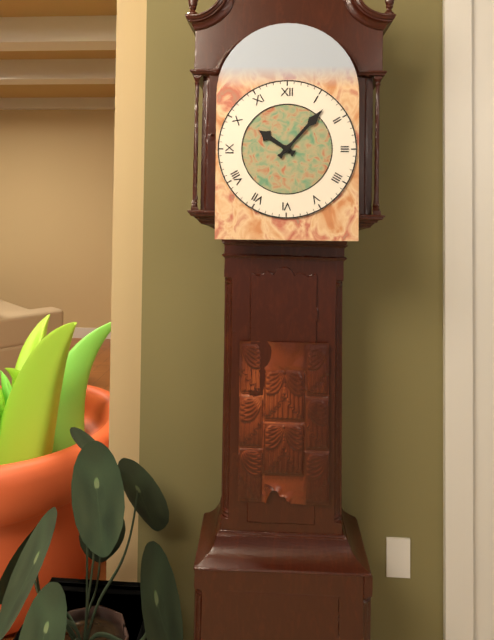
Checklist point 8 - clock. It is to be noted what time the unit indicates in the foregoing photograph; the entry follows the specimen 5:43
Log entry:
10:07
